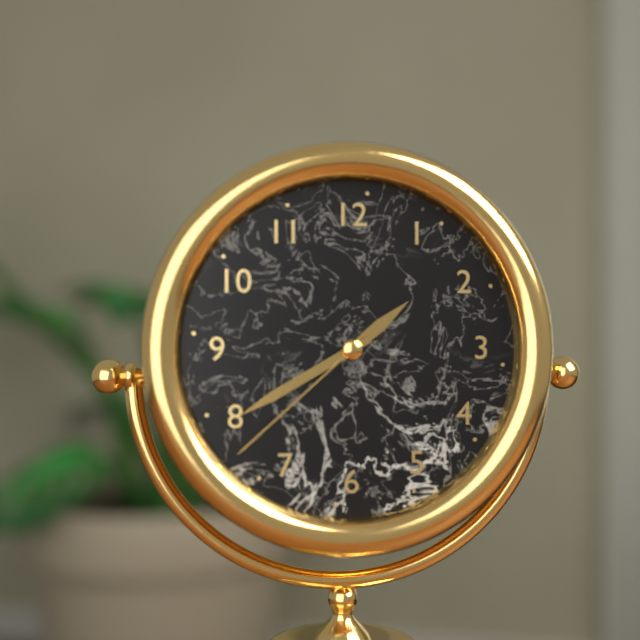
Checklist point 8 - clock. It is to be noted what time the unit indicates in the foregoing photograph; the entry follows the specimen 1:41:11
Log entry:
1:40:38
